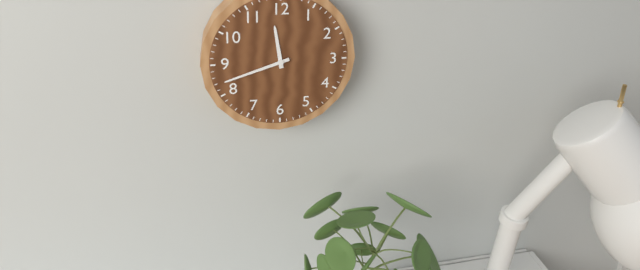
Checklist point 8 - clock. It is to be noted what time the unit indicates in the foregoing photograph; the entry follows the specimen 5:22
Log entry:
11:42
